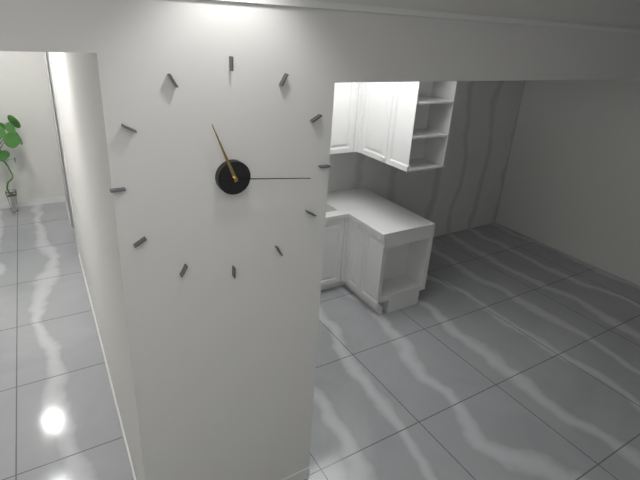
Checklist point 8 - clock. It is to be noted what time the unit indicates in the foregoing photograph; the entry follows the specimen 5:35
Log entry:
11:16
